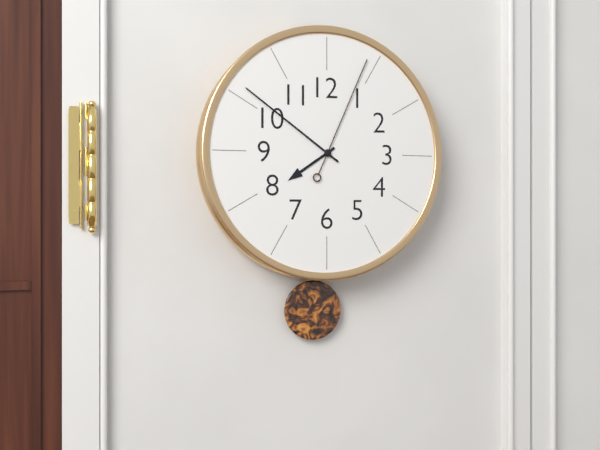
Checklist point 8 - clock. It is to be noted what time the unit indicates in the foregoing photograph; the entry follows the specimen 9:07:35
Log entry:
7:51:04
